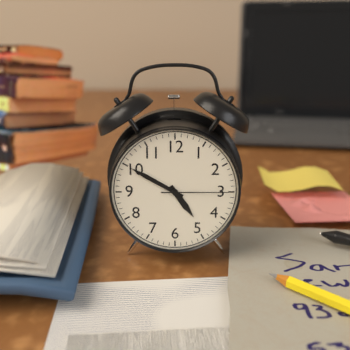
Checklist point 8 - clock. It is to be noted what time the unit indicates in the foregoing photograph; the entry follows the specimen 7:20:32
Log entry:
4:50:15
